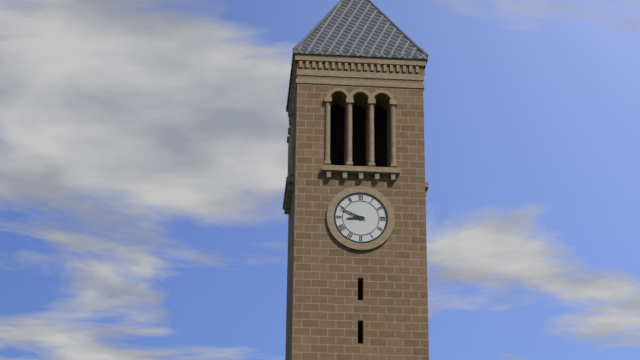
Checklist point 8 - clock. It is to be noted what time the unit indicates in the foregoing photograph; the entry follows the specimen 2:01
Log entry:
8:49
